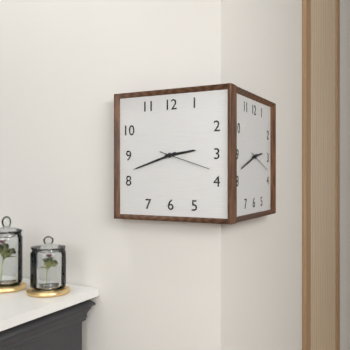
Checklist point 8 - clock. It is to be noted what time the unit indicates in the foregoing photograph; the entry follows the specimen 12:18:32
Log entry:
2:42:18
